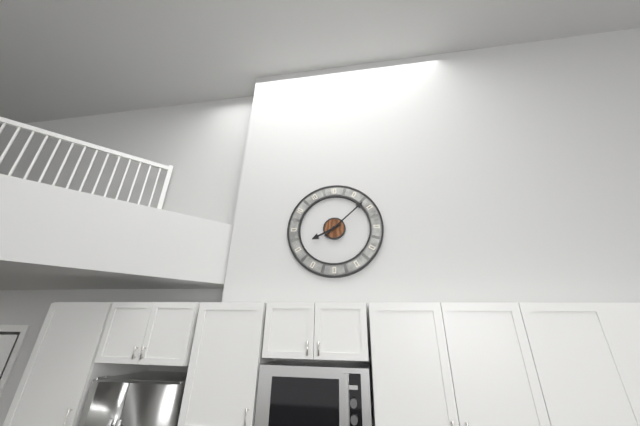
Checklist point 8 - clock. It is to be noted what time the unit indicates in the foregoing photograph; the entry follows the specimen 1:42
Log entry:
8:08
